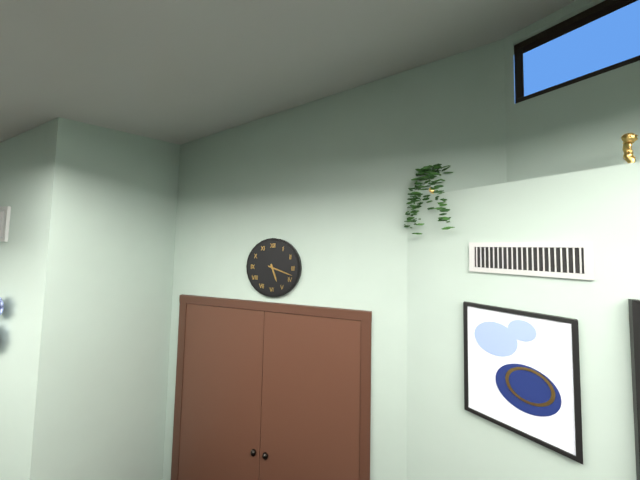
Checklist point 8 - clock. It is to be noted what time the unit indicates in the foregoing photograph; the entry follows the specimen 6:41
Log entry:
5:18
